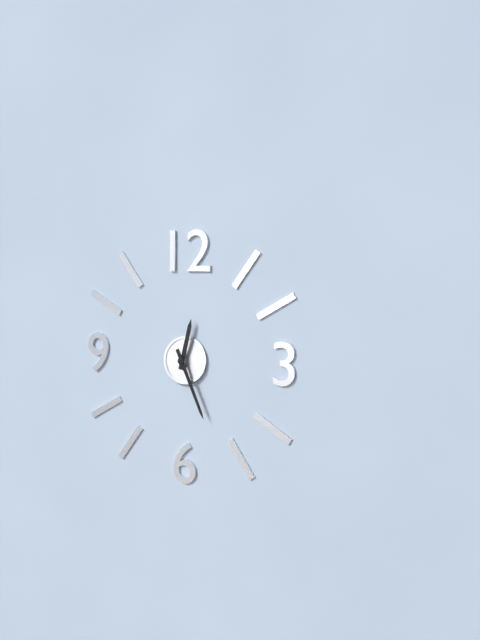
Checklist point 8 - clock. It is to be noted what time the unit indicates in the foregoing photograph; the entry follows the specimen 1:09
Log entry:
12:26
